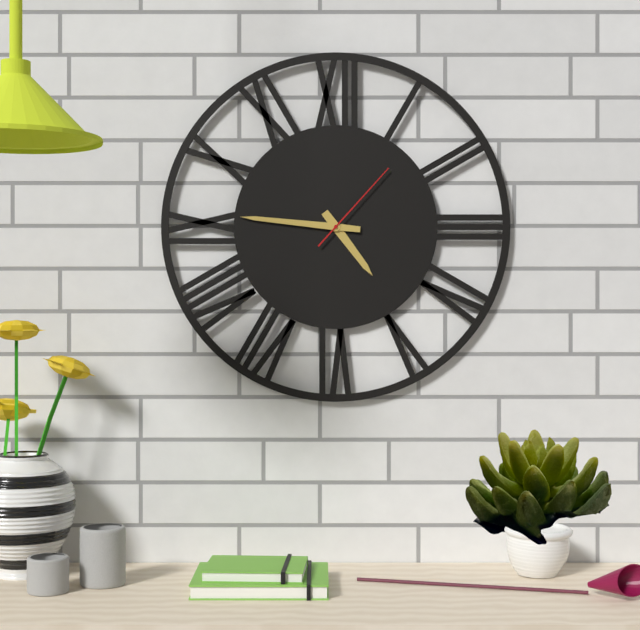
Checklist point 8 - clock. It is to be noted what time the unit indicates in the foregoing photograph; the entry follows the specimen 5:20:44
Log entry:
4:46:07
